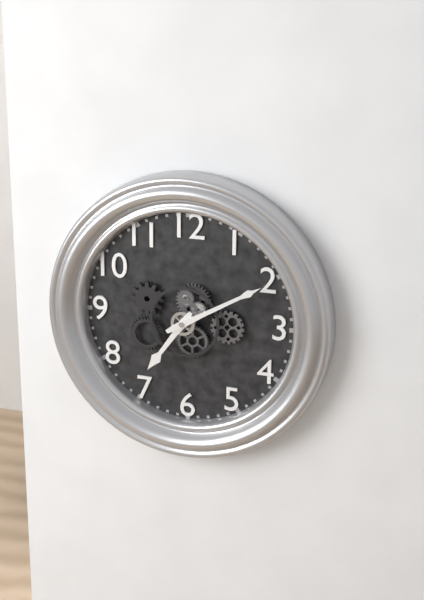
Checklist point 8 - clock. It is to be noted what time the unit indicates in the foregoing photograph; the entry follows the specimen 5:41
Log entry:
7:10
